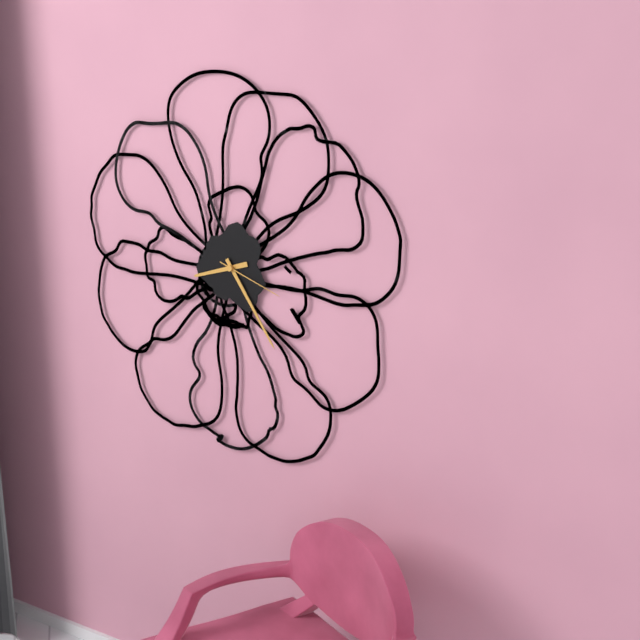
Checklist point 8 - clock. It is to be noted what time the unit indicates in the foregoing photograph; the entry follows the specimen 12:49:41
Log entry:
8:24:18
